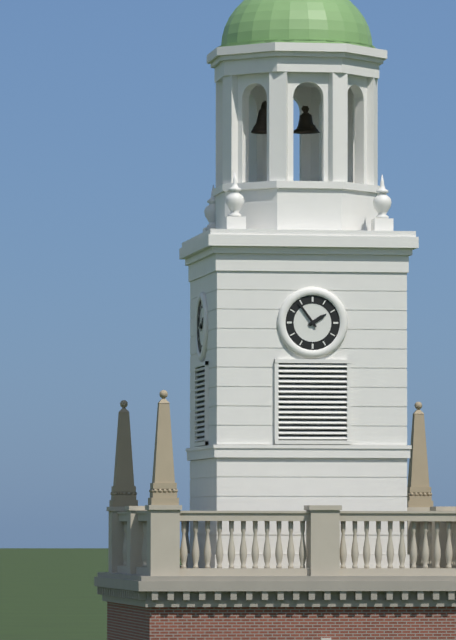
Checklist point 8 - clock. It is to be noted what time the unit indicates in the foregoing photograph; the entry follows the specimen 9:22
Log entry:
1:54
